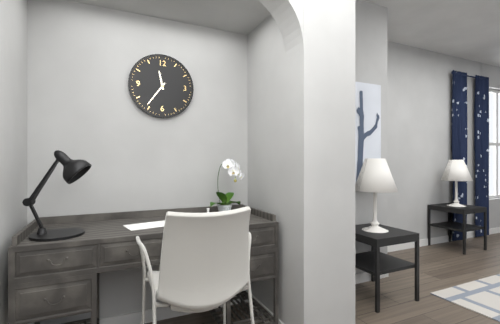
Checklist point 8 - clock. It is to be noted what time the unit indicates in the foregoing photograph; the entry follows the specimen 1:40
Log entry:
11:36
